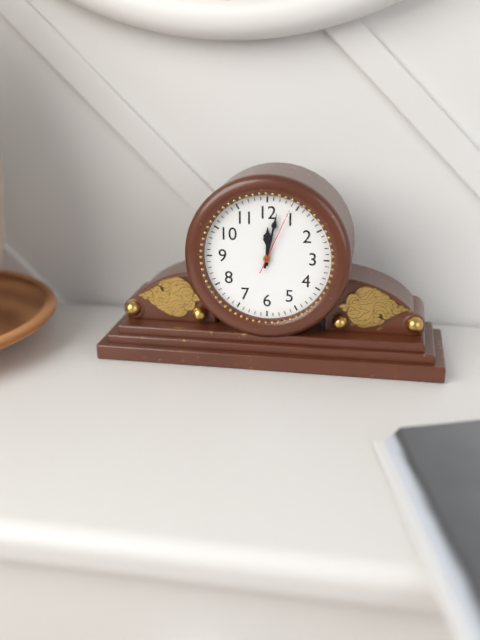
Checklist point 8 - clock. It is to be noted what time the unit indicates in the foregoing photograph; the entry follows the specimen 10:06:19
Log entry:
12:02:04
